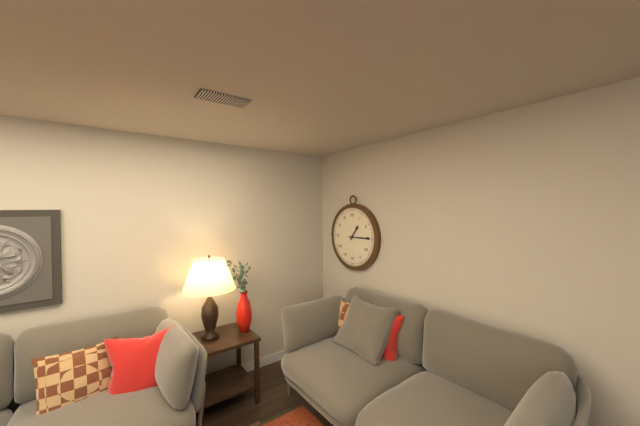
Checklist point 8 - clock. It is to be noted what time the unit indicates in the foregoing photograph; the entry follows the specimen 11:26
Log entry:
1:15
